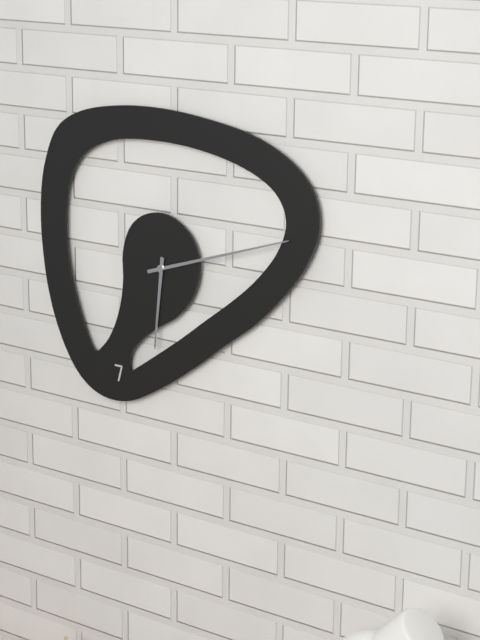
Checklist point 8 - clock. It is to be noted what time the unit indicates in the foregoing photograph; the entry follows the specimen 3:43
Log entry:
6:12
